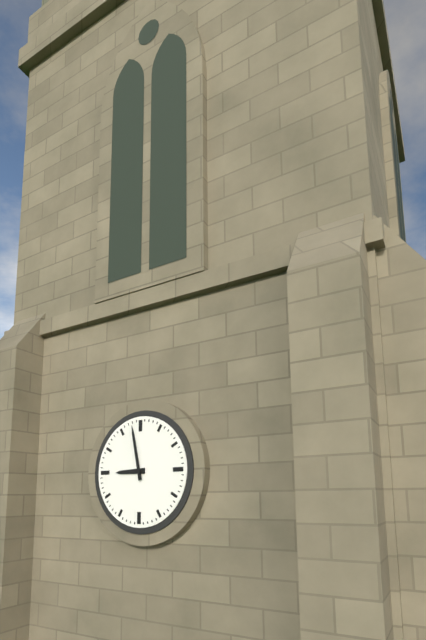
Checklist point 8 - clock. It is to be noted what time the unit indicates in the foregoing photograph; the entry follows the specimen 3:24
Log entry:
8:58
